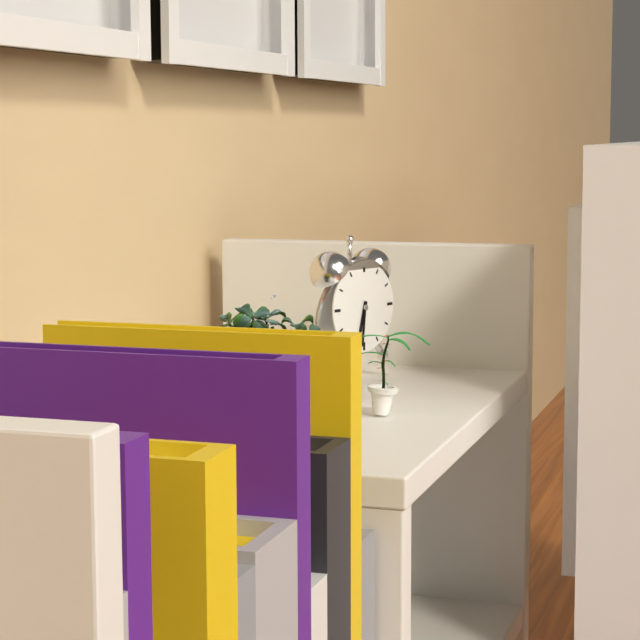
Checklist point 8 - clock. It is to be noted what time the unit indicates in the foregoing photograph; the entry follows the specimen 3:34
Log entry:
6:31
